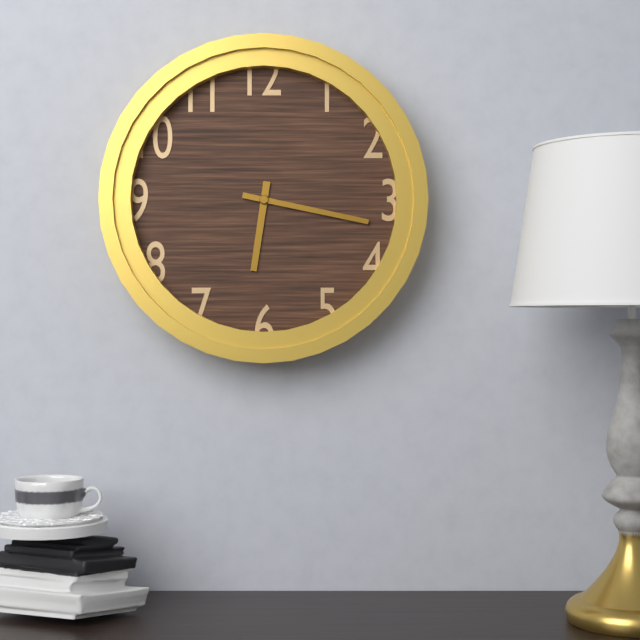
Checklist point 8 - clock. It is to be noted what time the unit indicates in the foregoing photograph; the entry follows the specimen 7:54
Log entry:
6:17
